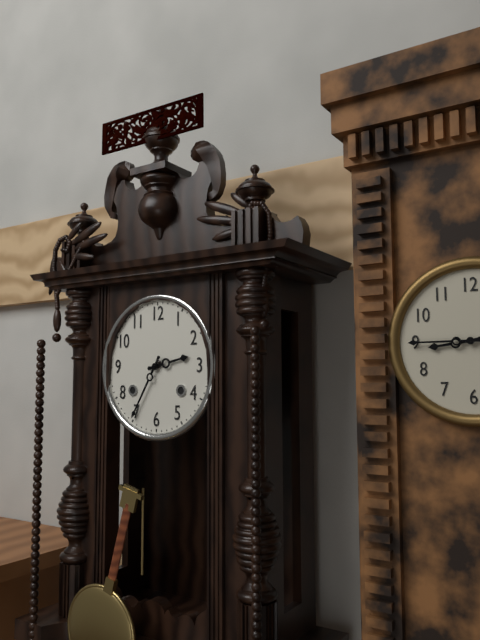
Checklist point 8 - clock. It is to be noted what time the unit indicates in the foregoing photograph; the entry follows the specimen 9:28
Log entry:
2:35
